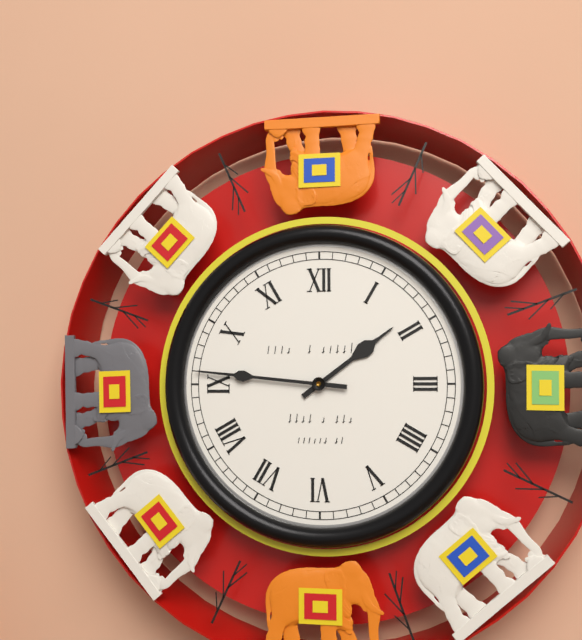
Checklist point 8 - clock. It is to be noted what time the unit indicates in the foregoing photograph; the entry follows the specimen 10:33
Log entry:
1:46
